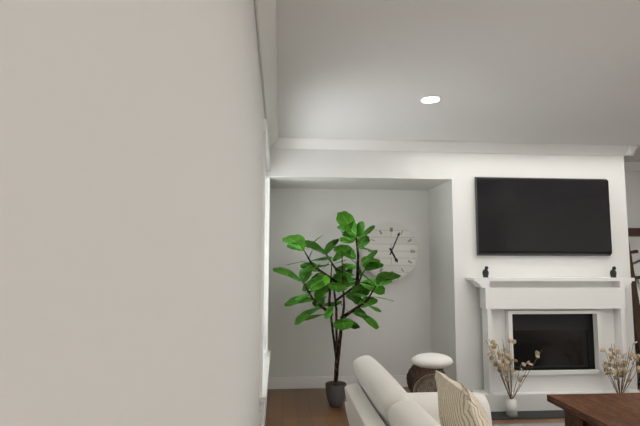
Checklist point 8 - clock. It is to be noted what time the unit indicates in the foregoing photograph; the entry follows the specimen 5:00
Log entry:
5:04
